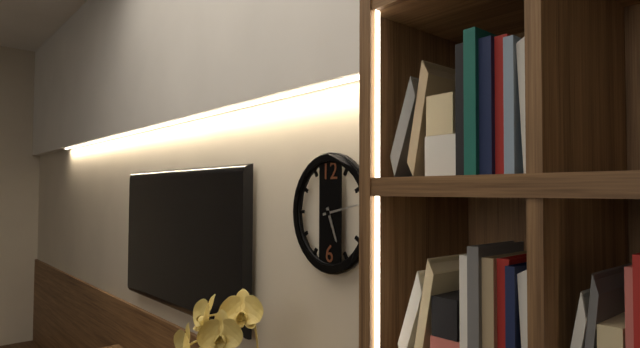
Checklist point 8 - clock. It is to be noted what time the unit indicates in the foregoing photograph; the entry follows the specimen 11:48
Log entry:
5:13
